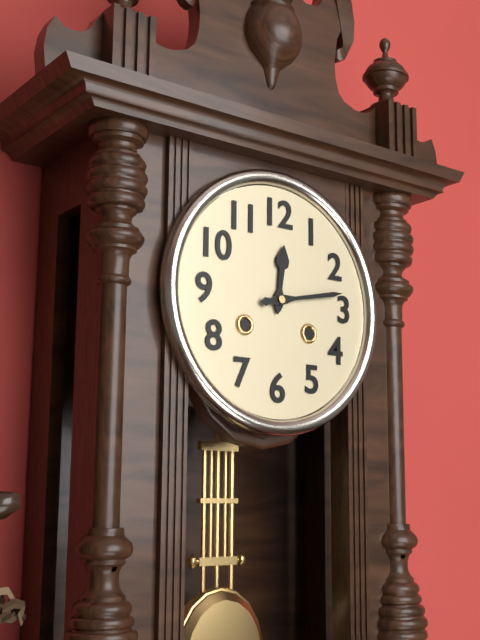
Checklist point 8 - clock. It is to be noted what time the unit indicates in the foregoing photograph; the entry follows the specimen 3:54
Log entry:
12:13
